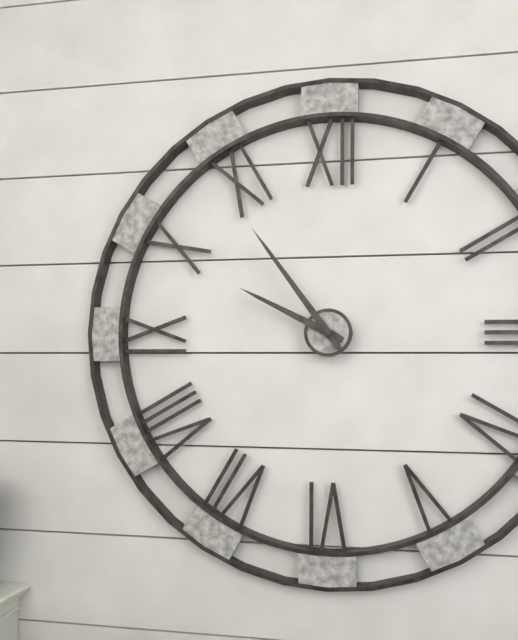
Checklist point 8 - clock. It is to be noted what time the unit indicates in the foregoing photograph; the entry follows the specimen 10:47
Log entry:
9:54
